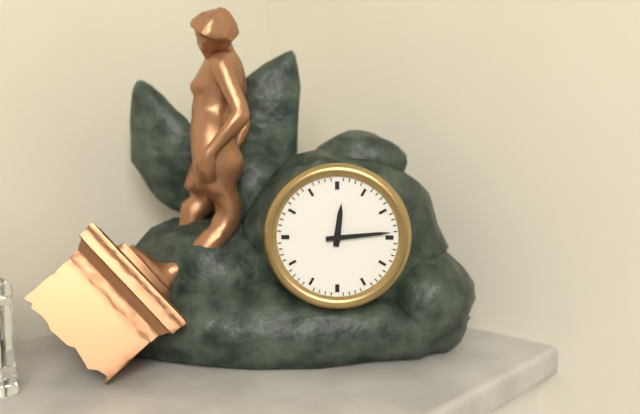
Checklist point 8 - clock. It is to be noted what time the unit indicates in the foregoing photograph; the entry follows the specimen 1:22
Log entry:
12:14
